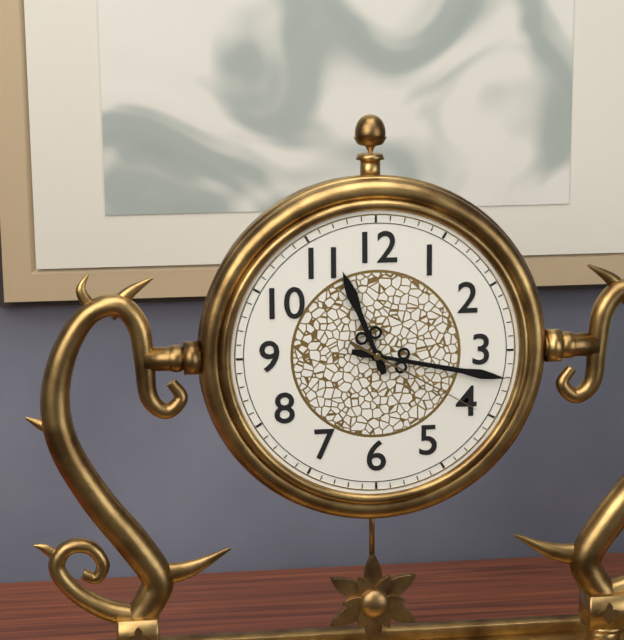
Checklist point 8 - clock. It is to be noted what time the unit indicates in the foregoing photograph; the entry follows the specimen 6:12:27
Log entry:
11:17:20
